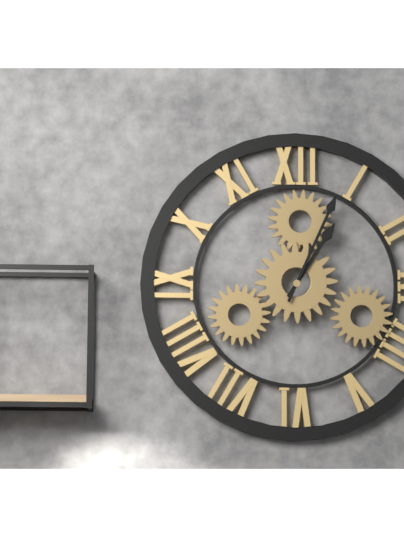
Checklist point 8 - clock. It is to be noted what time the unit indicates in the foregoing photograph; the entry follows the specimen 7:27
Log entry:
1:04
